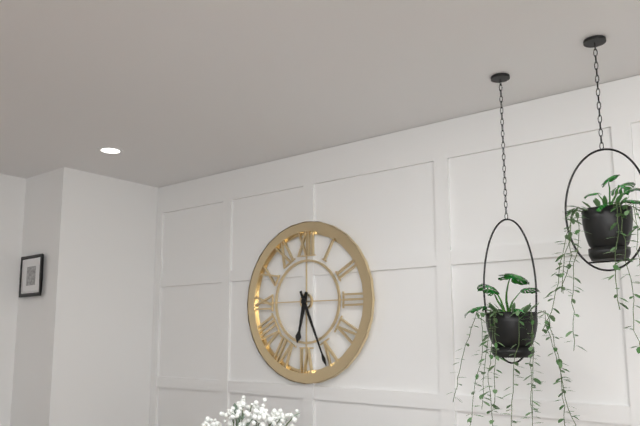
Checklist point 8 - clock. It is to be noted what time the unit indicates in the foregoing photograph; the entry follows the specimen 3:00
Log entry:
6:26
